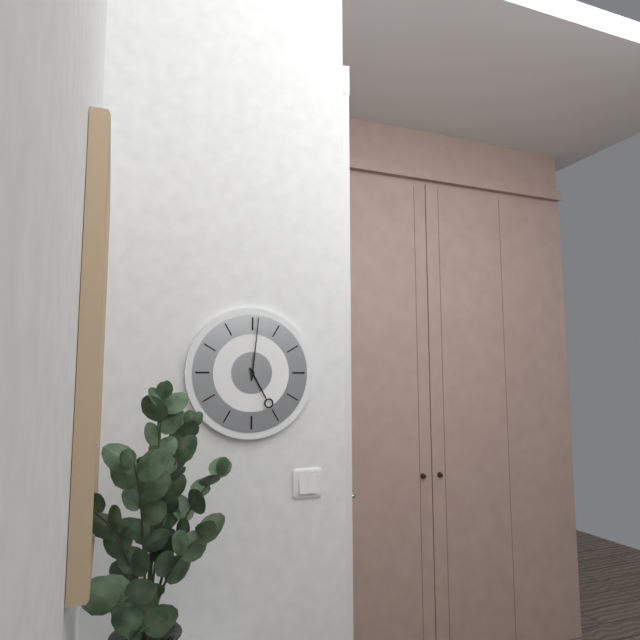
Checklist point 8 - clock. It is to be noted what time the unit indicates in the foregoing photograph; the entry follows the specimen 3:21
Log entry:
5:01
